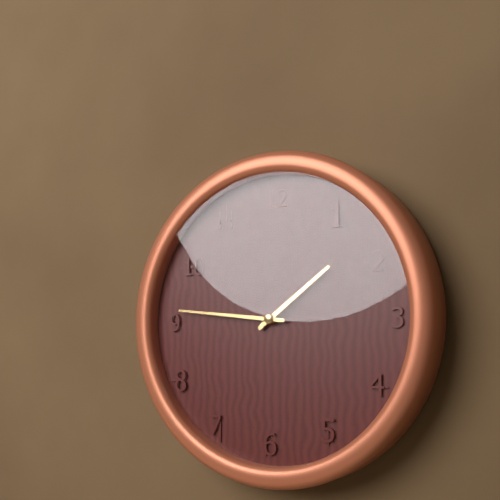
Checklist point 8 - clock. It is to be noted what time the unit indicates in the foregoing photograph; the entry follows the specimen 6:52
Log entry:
1:46
